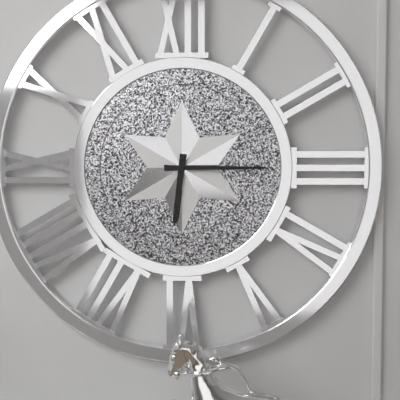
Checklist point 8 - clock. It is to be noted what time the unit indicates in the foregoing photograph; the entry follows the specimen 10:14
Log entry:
6:15
